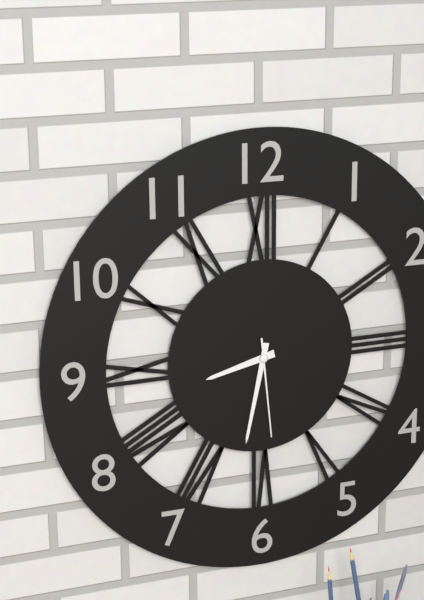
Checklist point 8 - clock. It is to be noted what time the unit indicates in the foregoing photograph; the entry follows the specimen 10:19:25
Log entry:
8:32:29
